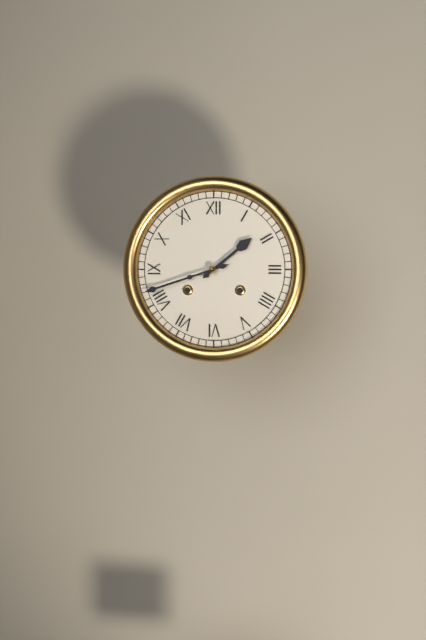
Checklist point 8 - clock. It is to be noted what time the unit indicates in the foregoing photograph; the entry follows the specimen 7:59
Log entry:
1:42
